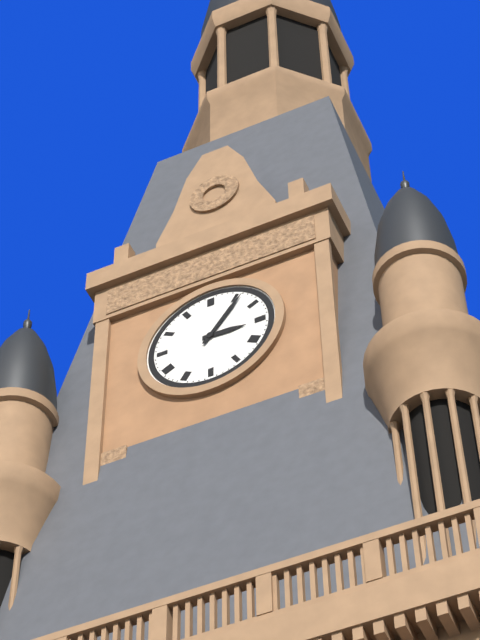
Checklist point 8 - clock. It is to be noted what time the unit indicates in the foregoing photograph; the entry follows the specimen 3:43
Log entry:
3:06
